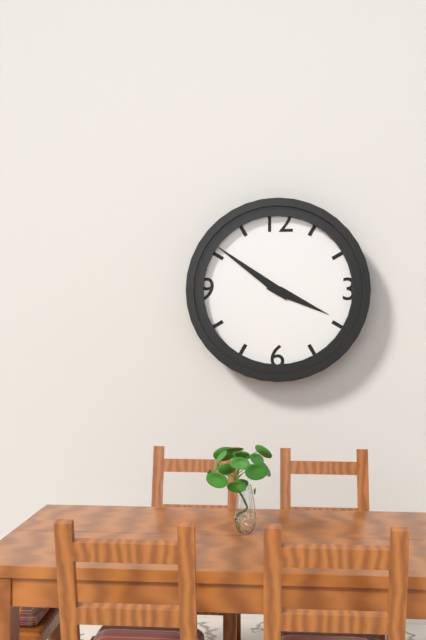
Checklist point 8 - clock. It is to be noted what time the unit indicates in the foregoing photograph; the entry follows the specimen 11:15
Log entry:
3:51
